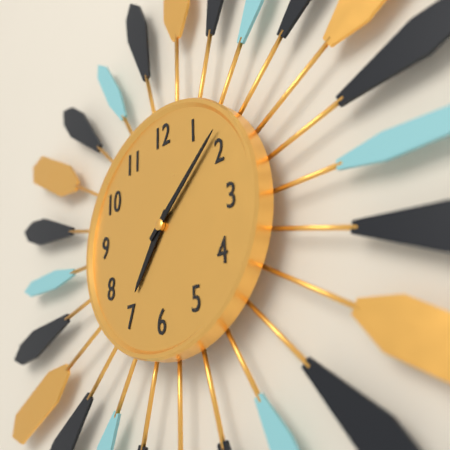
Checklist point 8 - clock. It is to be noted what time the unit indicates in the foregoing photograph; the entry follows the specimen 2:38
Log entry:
7:08
